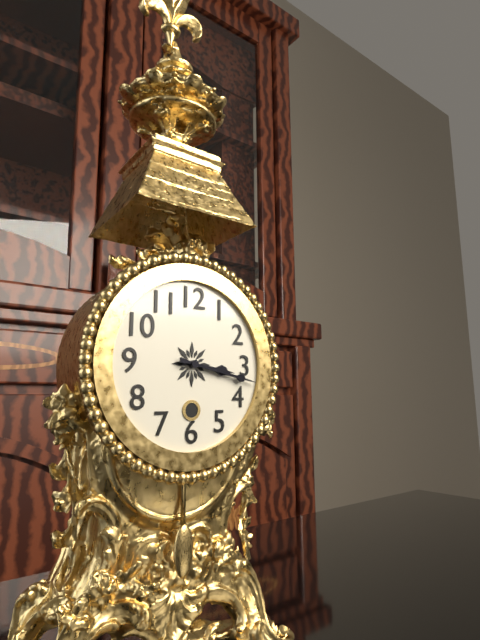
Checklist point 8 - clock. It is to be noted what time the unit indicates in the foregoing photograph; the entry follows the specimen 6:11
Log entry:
3:17
